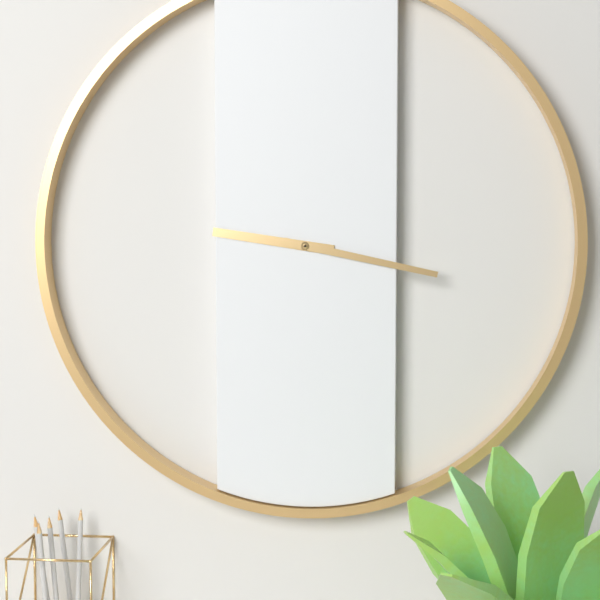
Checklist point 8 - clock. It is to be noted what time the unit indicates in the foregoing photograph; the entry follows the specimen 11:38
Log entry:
9:17
